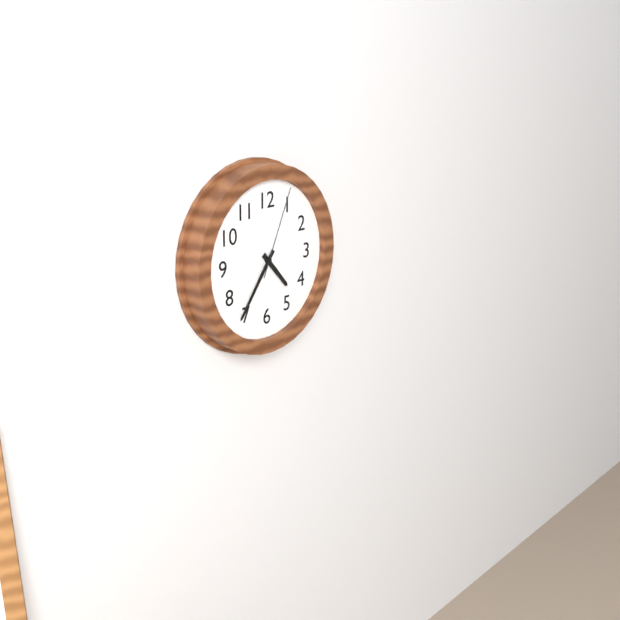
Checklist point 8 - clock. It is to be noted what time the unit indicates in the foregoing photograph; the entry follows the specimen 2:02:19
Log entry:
4:36:04
